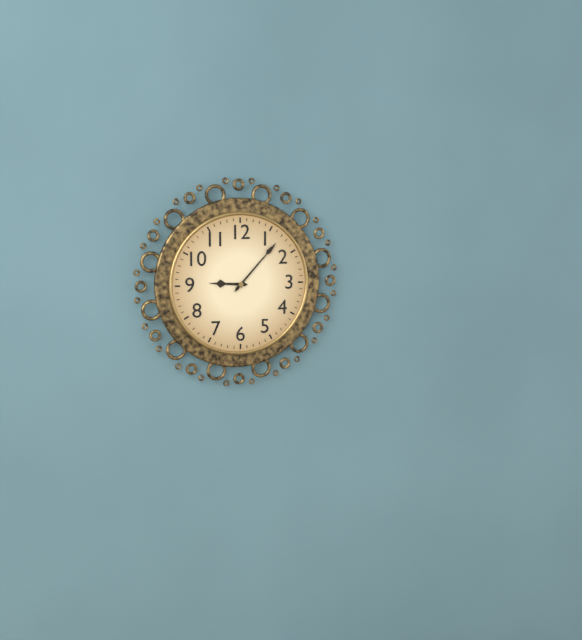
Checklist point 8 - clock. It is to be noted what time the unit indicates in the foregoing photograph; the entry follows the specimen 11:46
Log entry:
9:07
